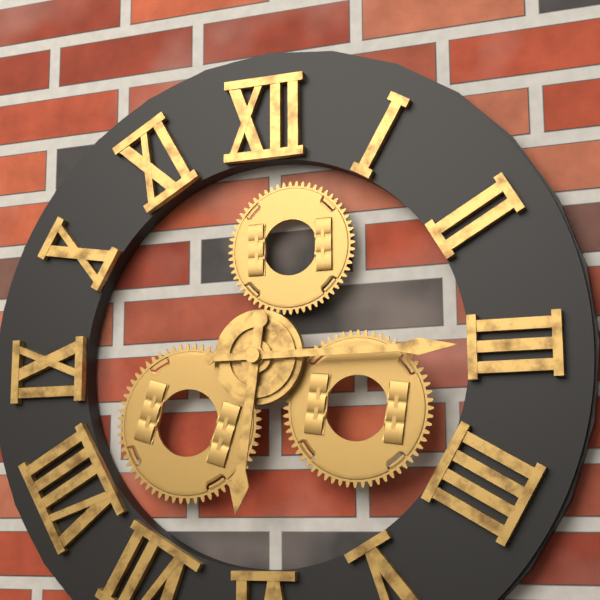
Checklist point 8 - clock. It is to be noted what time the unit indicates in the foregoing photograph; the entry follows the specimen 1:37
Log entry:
6:15
